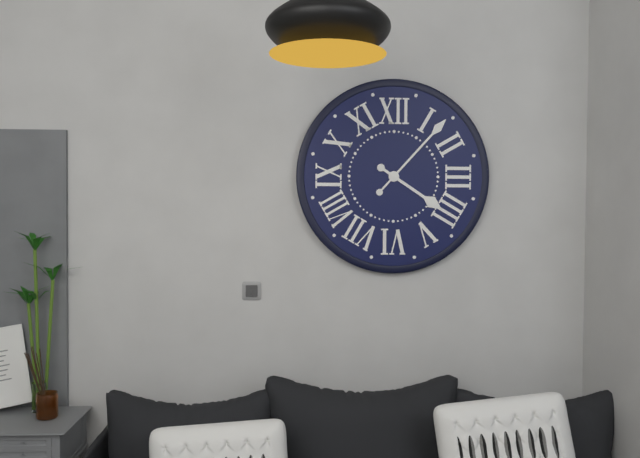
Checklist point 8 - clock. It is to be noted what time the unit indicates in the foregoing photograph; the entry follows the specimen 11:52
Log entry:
4:07
